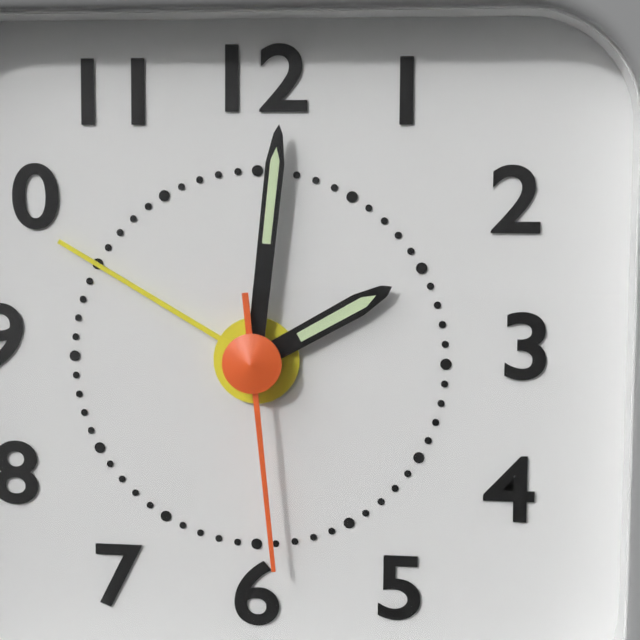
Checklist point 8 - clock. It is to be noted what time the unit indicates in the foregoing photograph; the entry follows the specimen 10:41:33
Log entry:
2:01:29
